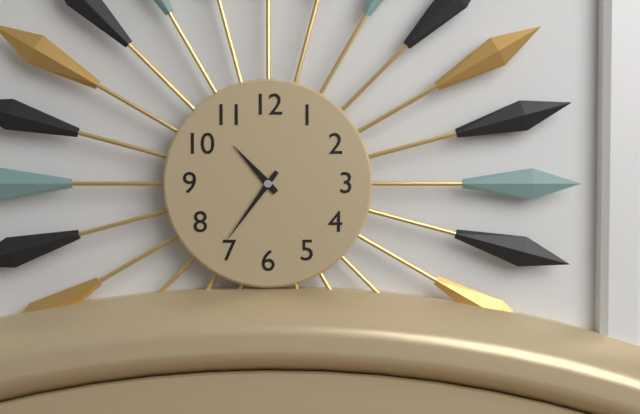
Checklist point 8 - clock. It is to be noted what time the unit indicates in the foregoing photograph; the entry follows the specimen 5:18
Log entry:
10:36
